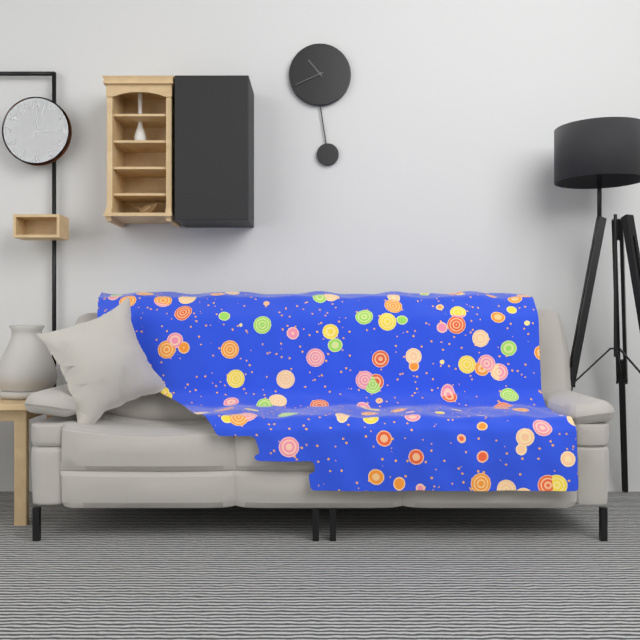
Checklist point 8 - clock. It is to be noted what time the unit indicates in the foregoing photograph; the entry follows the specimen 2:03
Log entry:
10:41
